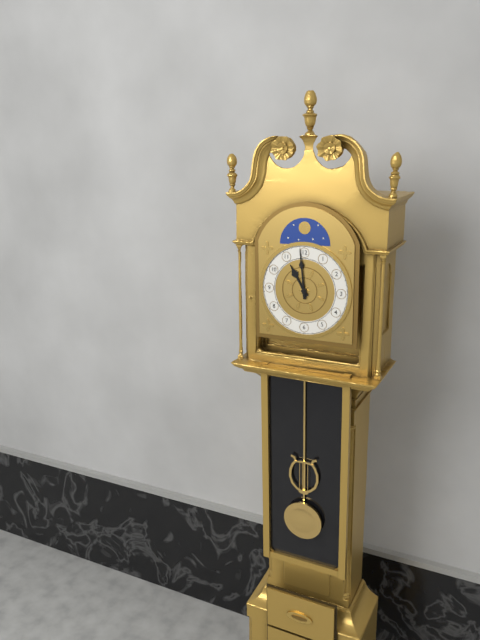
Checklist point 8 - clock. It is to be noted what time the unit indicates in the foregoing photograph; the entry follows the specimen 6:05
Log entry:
10:59
